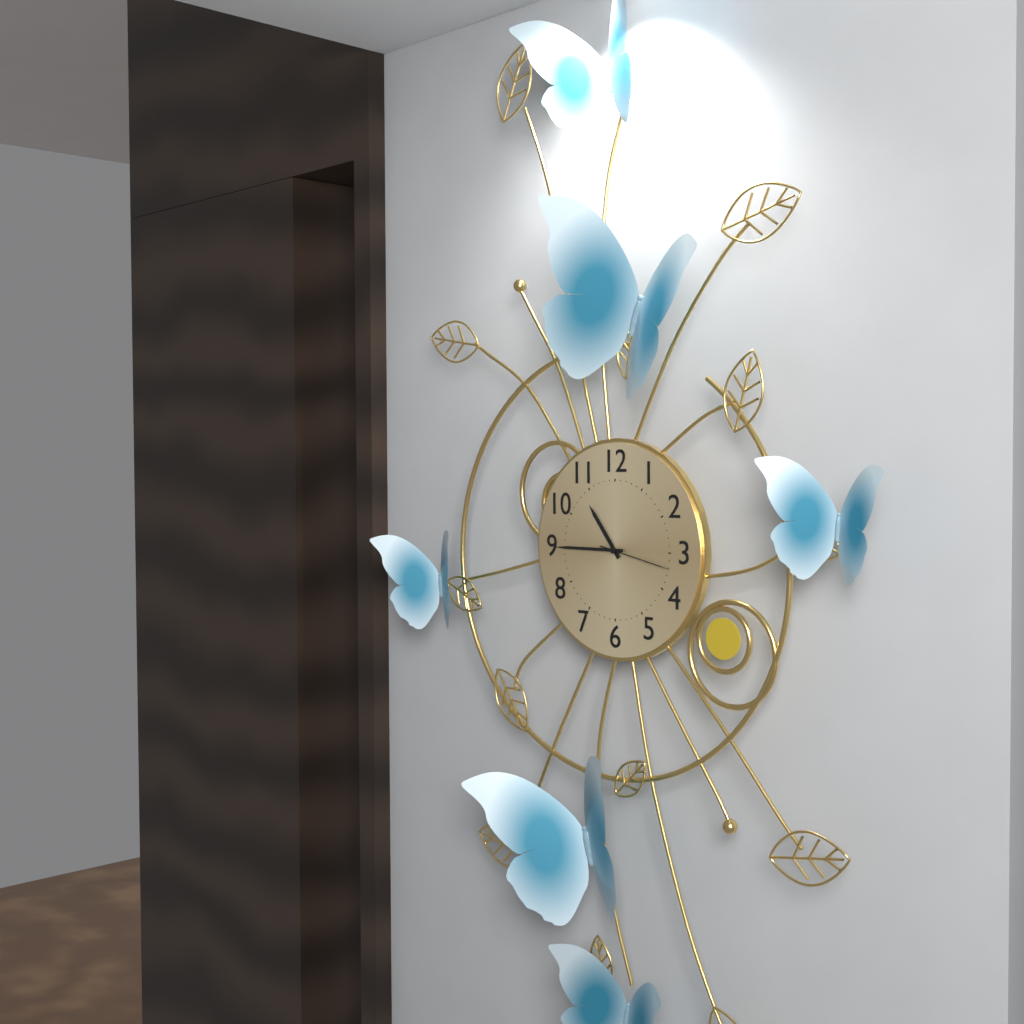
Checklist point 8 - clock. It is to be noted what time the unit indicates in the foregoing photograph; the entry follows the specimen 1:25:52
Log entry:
10:45:17
